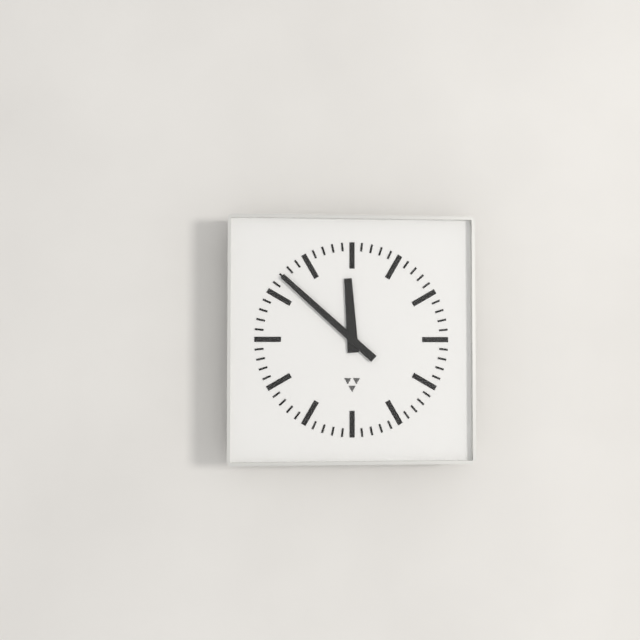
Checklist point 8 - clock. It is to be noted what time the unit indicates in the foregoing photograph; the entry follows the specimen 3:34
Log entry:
11:52
